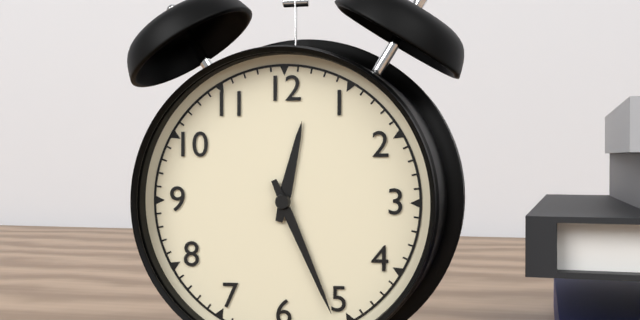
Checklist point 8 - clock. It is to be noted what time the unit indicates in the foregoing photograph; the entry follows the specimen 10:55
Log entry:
12:26
